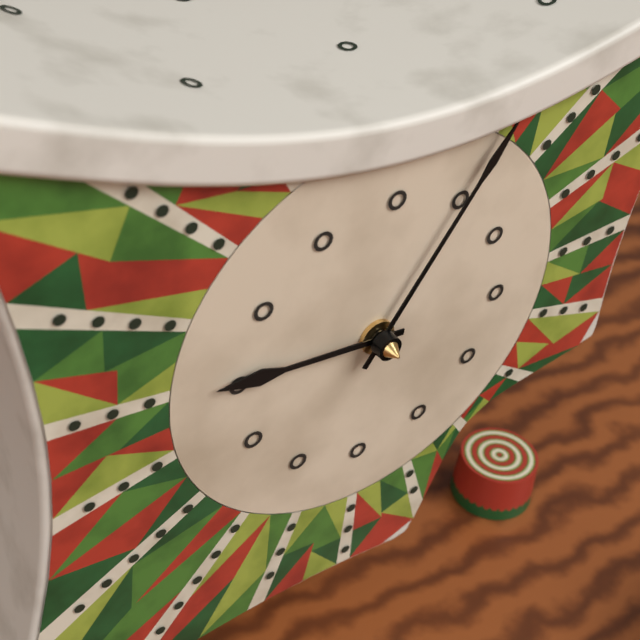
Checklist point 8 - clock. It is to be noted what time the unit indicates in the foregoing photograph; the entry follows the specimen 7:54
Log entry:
9:05
